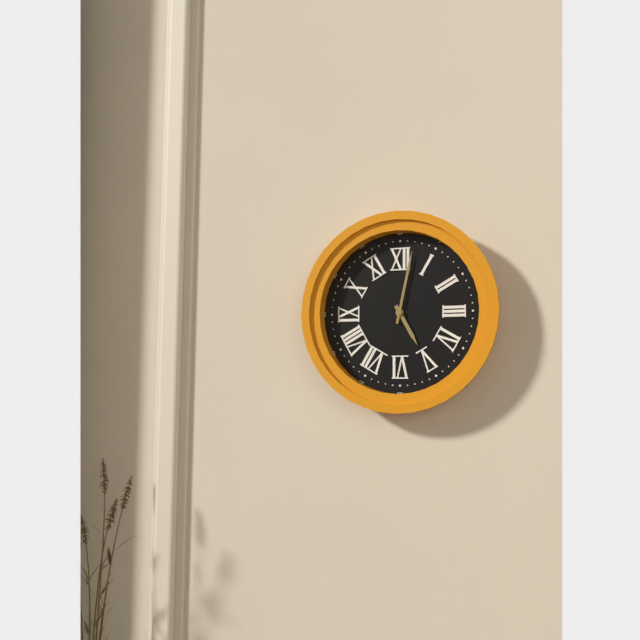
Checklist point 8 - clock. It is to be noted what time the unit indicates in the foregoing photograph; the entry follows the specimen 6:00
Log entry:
5:02
